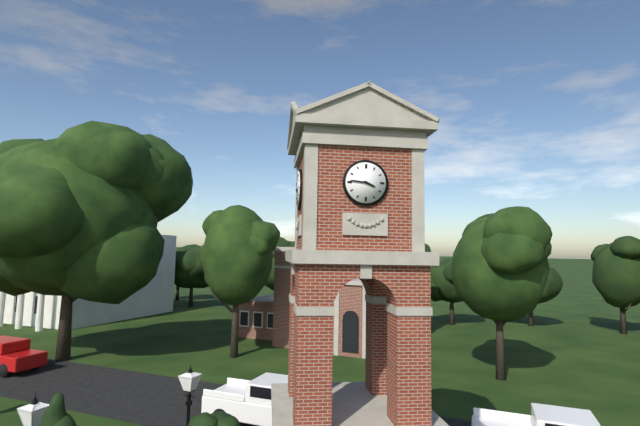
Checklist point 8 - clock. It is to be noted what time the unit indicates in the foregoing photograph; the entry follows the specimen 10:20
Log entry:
3:46
